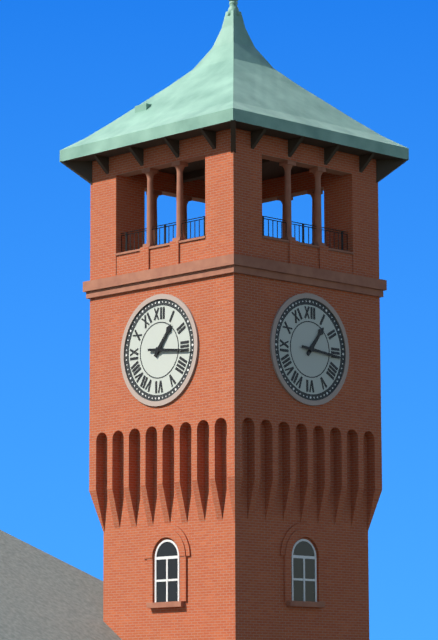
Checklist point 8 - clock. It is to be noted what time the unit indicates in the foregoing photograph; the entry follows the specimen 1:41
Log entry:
1:16
